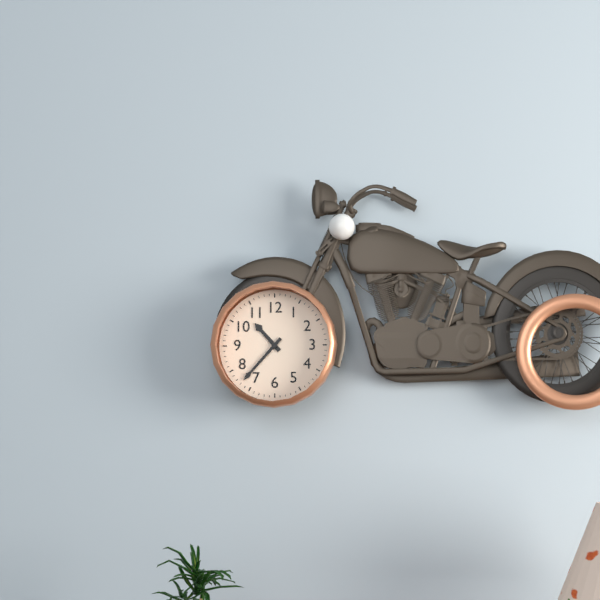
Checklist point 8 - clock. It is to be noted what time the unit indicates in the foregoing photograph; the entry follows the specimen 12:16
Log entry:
10:37
